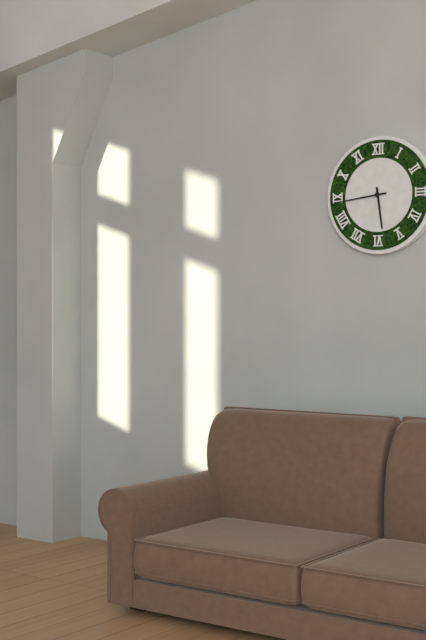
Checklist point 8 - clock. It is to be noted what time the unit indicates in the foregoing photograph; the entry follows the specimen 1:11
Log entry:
5:44
